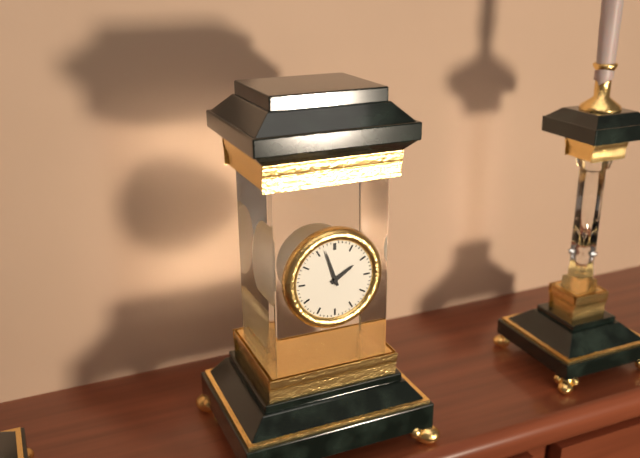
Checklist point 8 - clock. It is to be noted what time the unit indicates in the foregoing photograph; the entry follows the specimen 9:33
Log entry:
1:57
